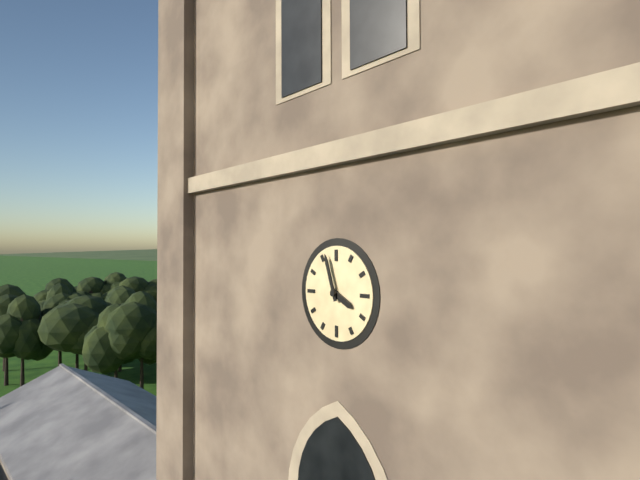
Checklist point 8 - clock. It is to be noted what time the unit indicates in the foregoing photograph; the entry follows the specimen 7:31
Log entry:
3:57
